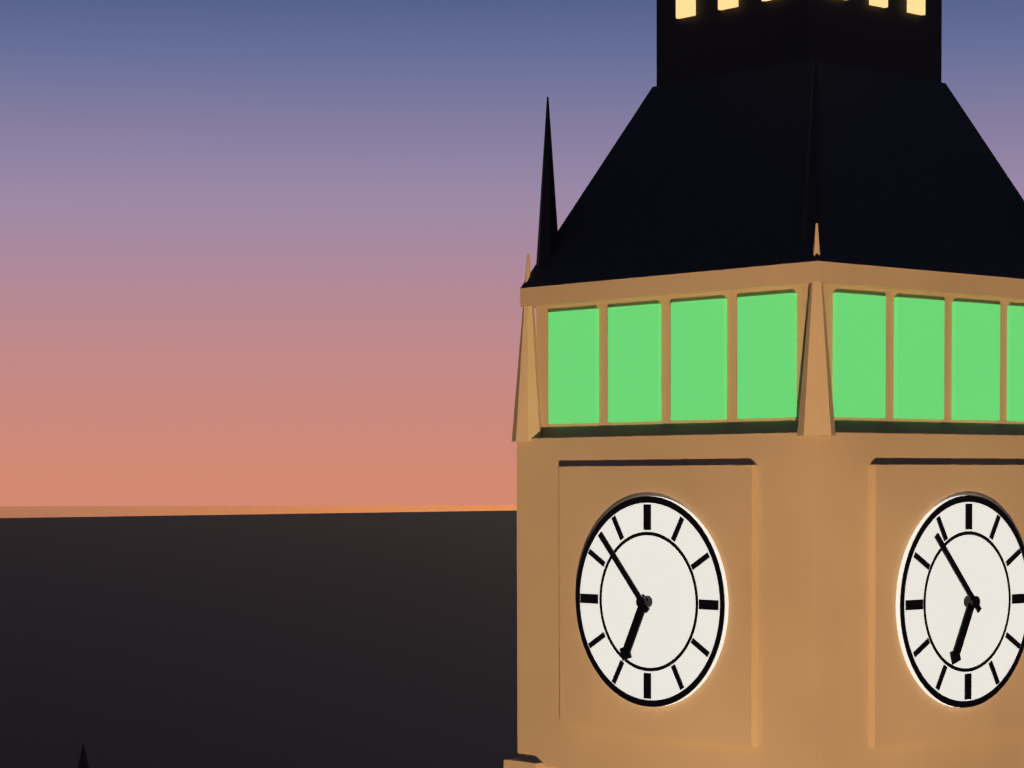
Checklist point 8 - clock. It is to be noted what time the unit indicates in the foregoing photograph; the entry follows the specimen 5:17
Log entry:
6:53
